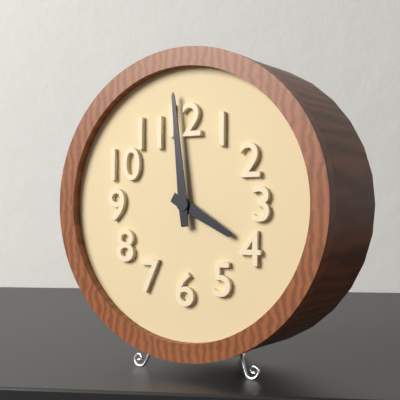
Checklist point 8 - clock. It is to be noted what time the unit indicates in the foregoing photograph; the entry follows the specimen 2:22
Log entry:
3:59
